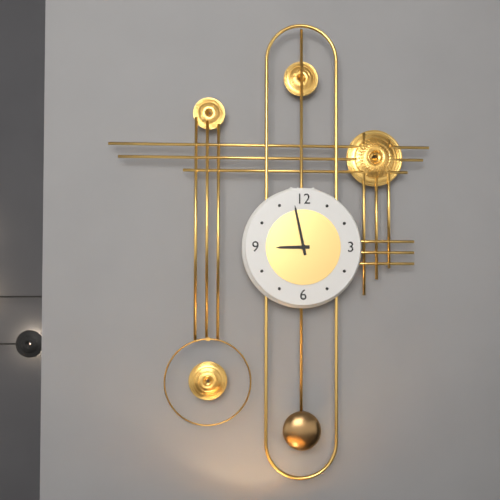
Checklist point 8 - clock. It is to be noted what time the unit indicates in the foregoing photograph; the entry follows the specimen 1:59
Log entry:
8:58
